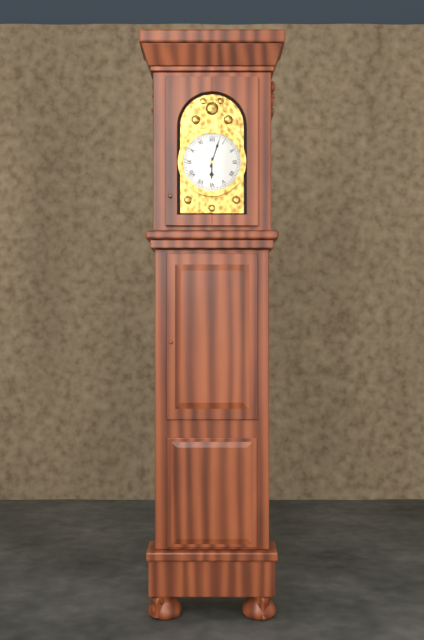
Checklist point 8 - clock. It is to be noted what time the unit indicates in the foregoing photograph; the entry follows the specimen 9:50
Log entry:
6:03
